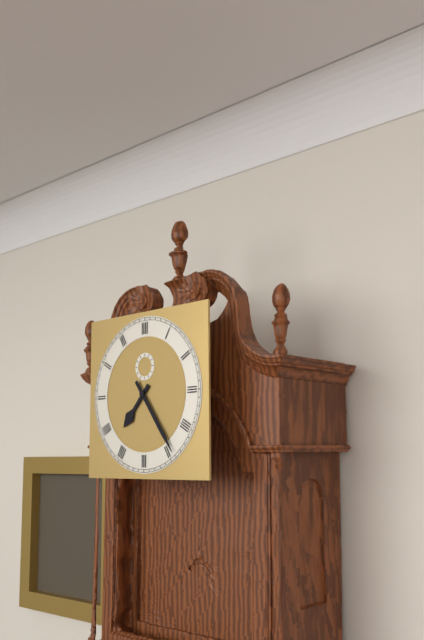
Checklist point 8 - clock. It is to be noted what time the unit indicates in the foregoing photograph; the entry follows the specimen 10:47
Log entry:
7:24
